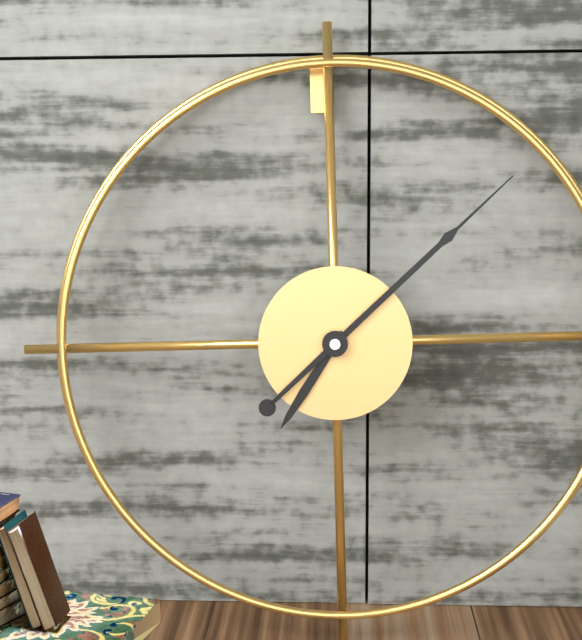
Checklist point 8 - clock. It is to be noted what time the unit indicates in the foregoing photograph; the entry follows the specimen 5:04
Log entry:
7:08
